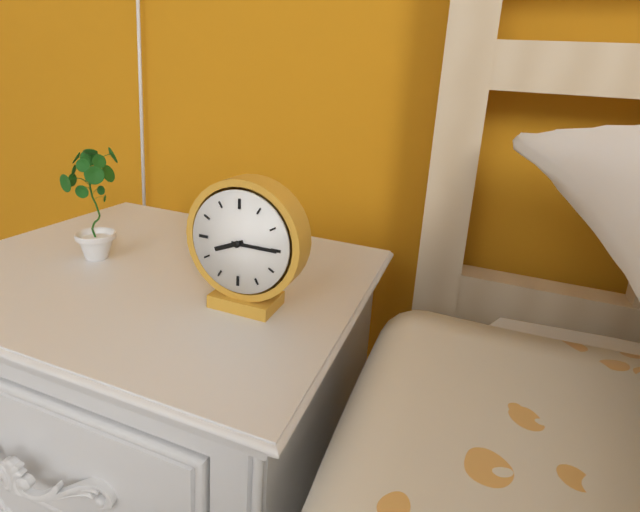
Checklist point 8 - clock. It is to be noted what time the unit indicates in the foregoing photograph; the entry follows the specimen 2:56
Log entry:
8:15
